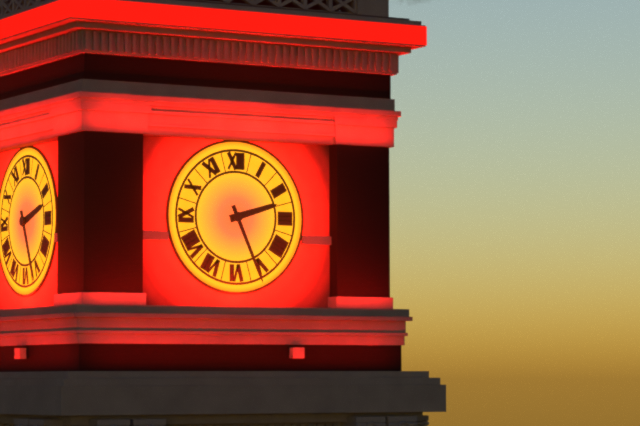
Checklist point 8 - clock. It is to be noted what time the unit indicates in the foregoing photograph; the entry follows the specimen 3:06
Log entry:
2:26
